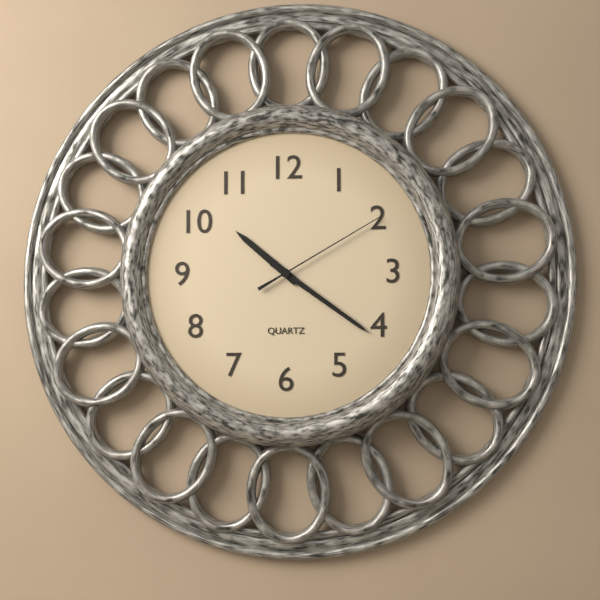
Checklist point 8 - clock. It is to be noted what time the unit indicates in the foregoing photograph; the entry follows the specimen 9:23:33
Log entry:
10:21:10
